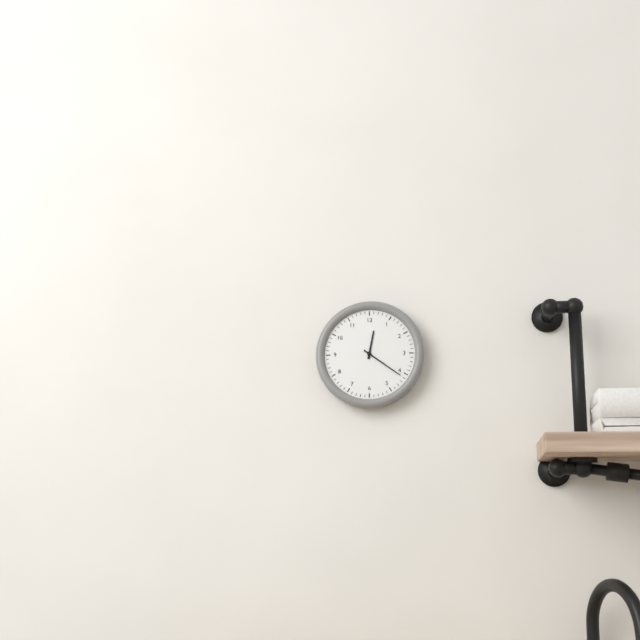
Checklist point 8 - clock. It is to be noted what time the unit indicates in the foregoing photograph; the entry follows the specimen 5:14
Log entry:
12:21
